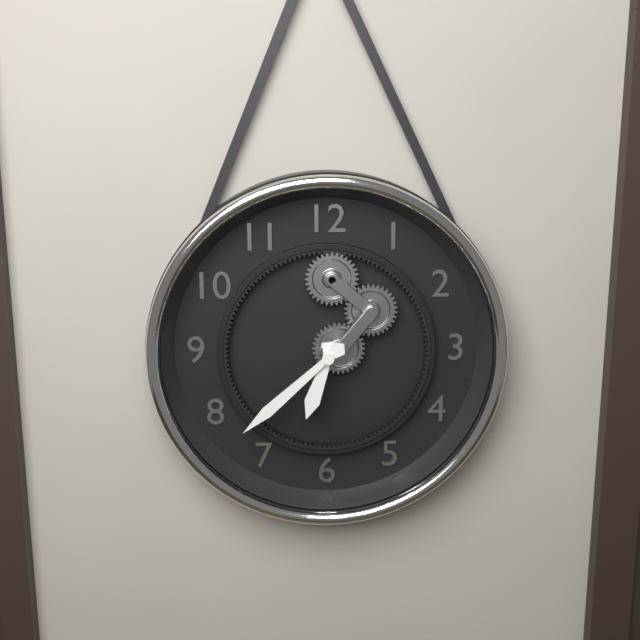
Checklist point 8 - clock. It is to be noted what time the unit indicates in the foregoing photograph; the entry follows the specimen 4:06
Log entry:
6:38
